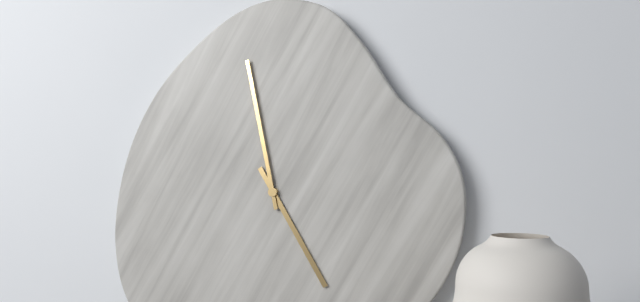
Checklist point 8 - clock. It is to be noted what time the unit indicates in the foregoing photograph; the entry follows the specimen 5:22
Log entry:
4:58
